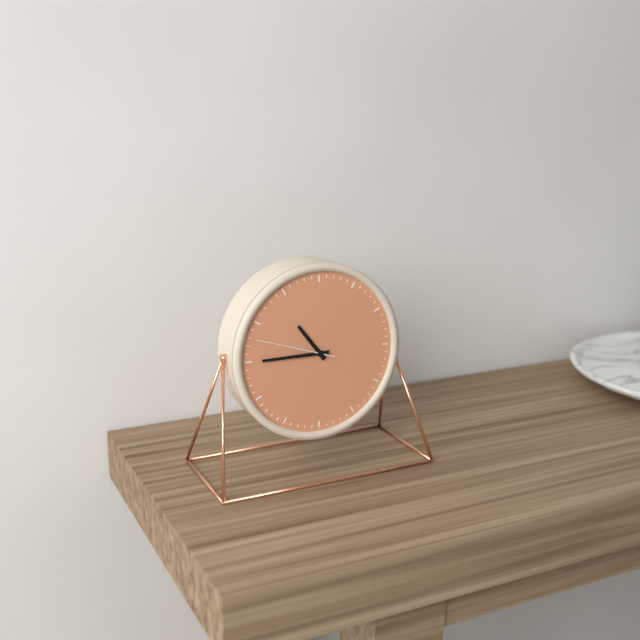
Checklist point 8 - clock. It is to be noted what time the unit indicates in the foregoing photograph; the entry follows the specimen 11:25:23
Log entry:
10:45:48
